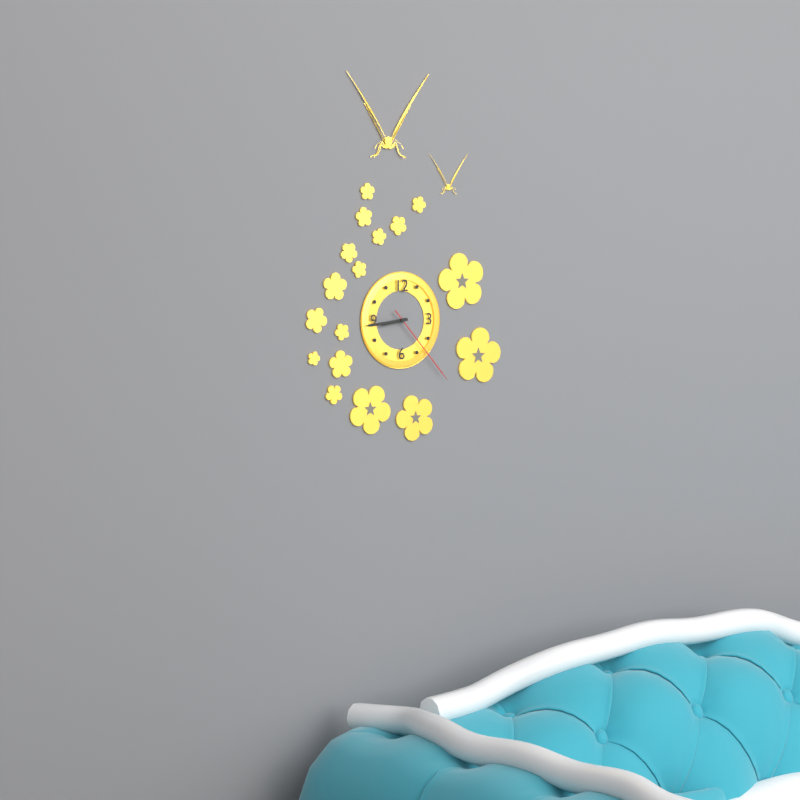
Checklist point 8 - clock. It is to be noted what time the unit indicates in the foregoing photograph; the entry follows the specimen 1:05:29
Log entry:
8:44:23
